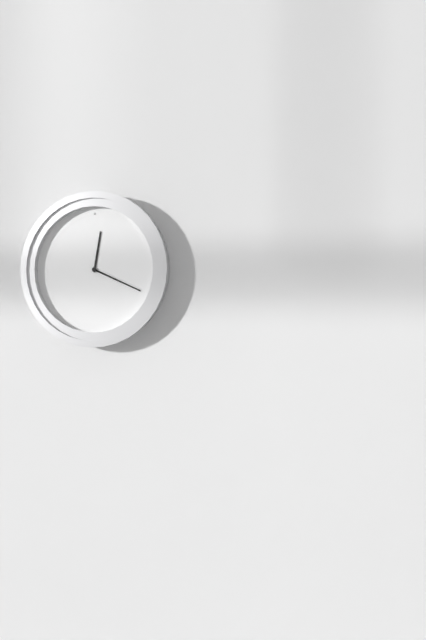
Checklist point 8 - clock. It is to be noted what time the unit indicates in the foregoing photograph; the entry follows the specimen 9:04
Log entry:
12:19
